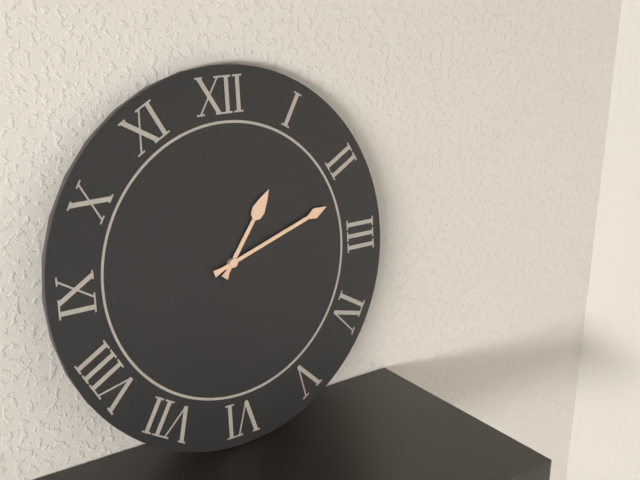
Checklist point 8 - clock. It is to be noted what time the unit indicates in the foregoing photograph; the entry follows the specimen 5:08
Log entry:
1:12
